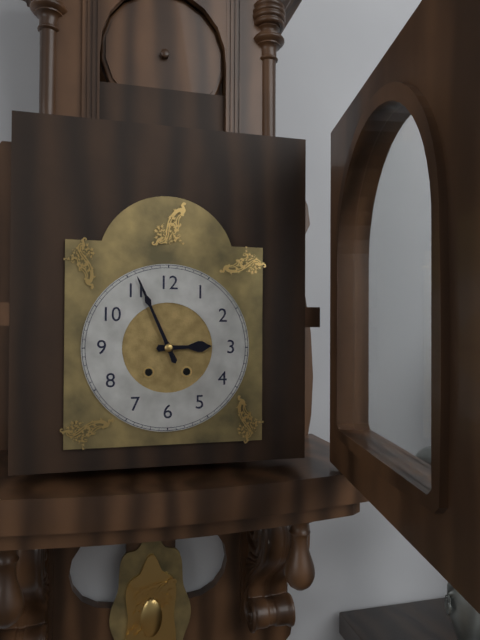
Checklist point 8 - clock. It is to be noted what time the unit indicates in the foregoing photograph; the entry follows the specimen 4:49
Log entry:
2:56
